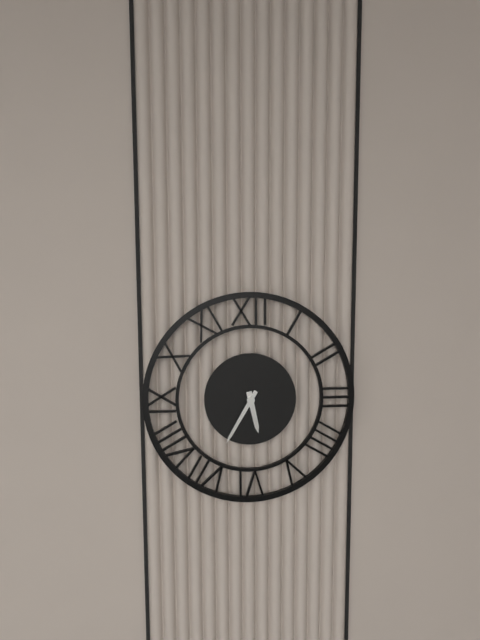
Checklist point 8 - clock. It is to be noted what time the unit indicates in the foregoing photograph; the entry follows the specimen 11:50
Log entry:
5:35
